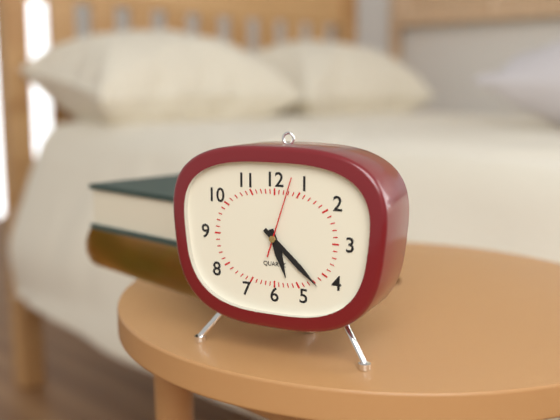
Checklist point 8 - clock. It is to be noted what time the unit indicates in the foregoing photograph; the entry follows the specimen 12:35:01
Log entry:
5:22:03
